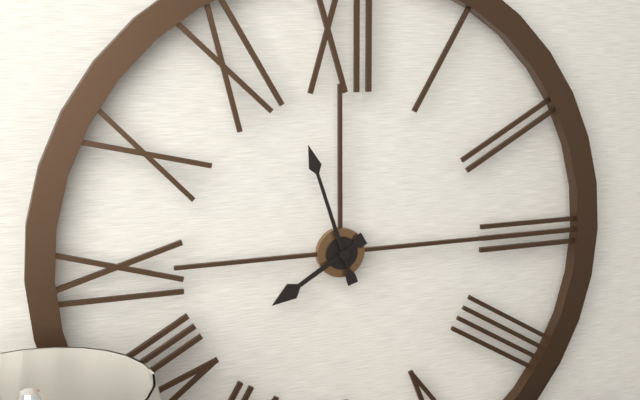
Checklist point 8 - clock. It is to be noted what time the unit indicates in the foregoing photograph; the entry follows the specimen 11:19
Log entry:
7:57
